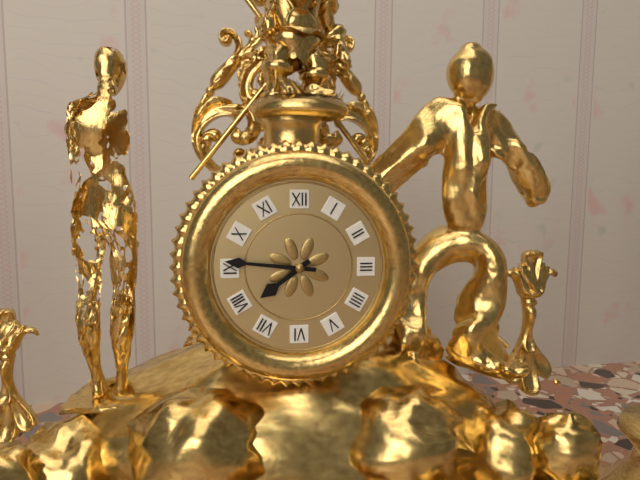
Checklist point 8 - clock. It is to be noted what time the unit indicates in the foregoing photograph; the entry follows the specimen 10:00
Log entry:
7:46
